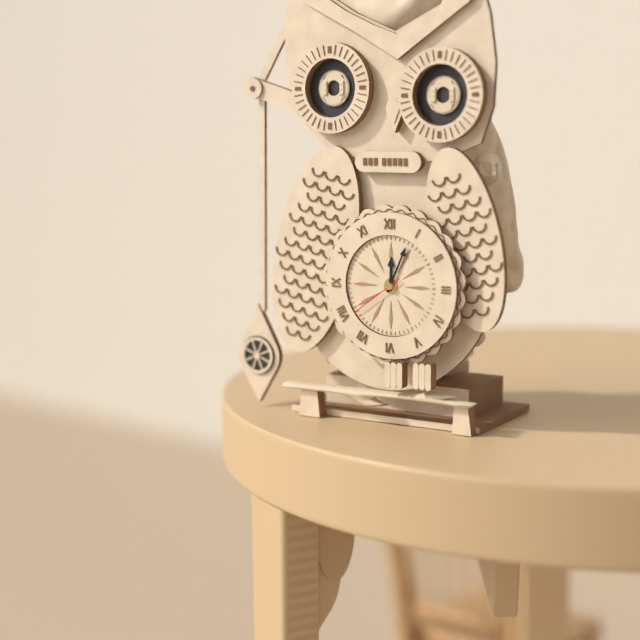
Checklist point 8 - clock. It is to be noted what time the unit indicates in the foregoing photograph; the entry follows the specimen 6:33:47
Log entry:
12:04:39
